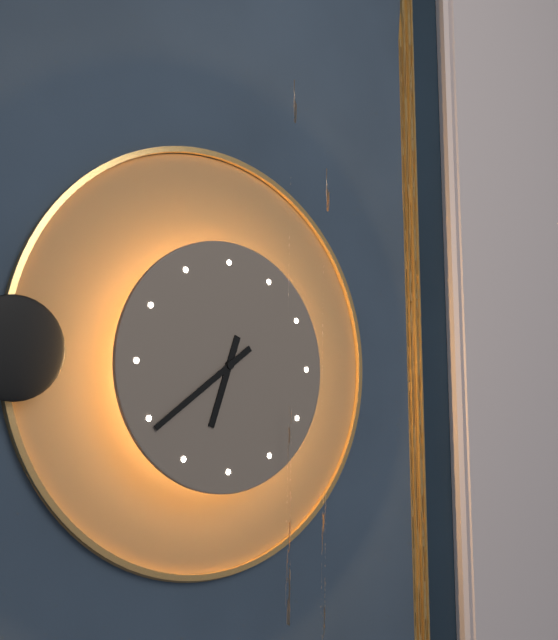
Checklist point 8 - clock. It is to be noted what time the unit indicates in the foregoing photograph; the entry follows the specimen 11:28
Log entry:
6:39
